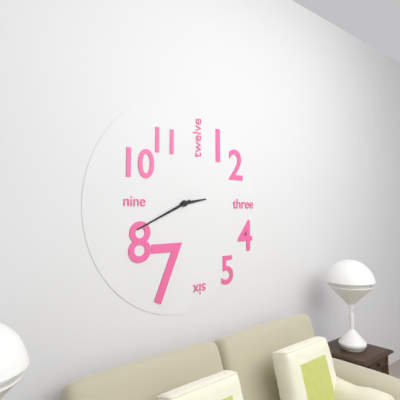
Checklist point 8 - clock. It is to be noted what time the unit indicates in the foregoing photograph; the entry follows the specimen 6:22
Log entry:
2:41
